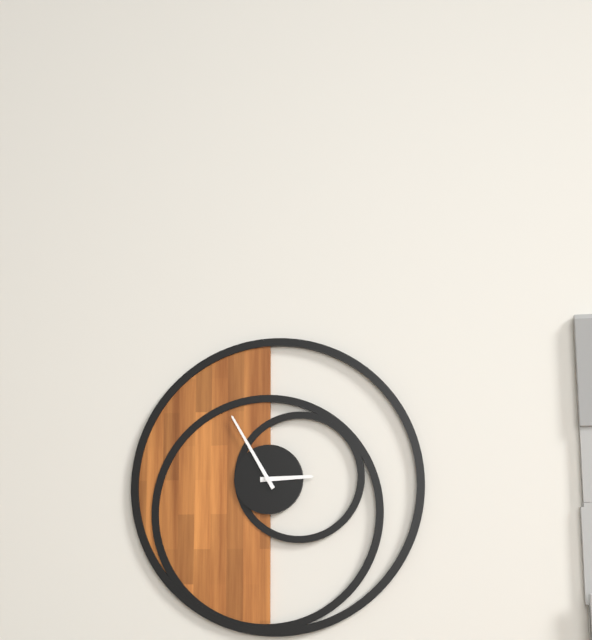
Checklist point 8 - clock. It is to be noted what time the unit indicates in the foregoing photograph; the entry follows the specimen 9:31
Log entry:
2:55
